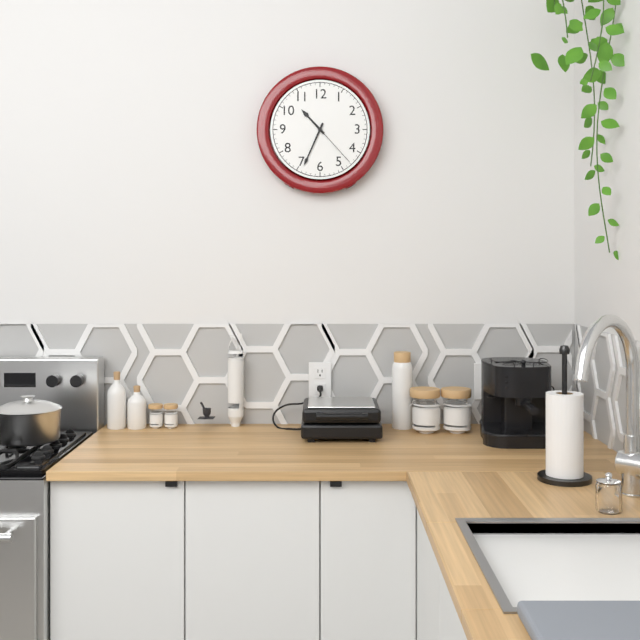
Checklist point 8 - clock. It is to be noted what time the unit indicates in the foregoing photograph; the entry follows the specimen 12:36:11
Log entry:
10:34:23
